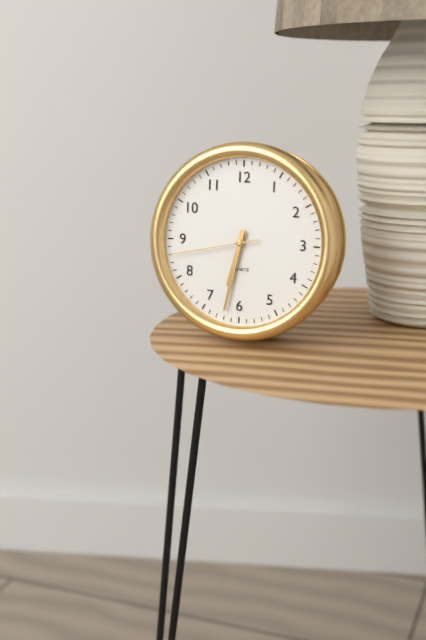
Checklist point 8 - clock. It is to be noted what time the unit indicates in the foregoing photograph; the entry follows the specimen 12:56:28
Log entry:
6:32:43
